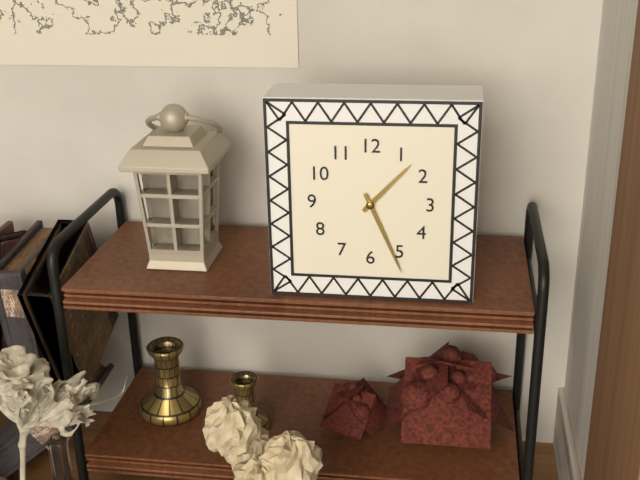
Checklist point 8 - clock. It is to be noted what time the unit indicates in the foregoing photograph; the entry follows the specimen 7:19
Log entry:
1:26
